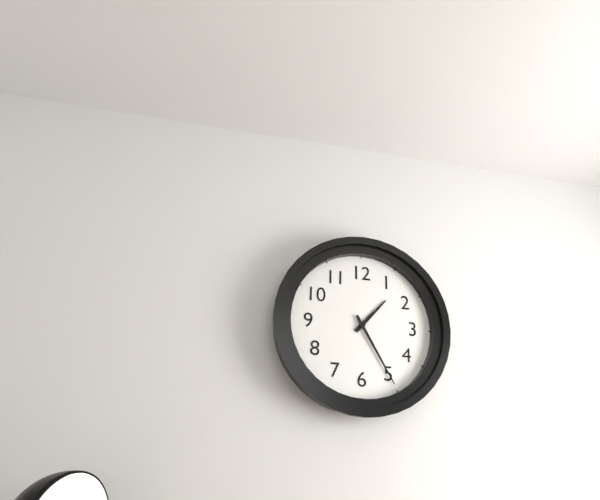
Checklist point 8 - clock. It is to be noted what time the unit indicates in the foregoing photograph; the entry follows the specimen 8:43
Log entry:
1:25
